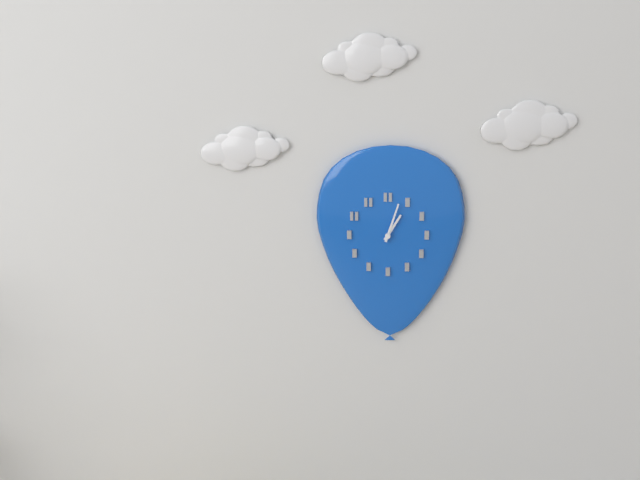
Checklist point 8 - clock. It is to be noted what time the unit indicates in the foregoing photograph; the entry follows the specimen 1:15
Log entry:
1:03
